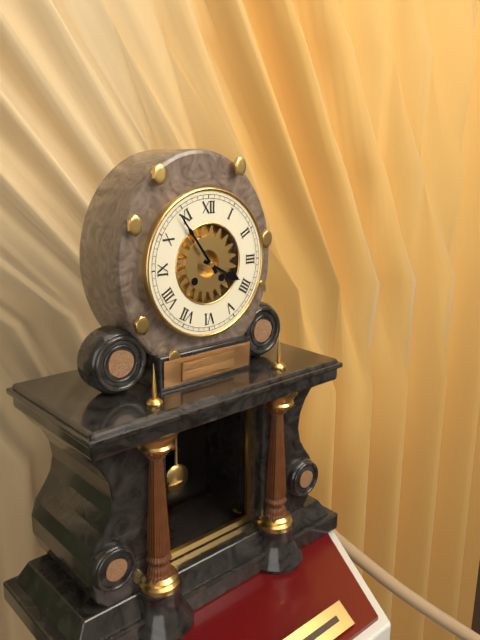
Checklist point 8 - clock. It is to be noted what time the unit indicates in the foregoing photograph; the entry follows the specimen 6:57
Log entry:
3:54
